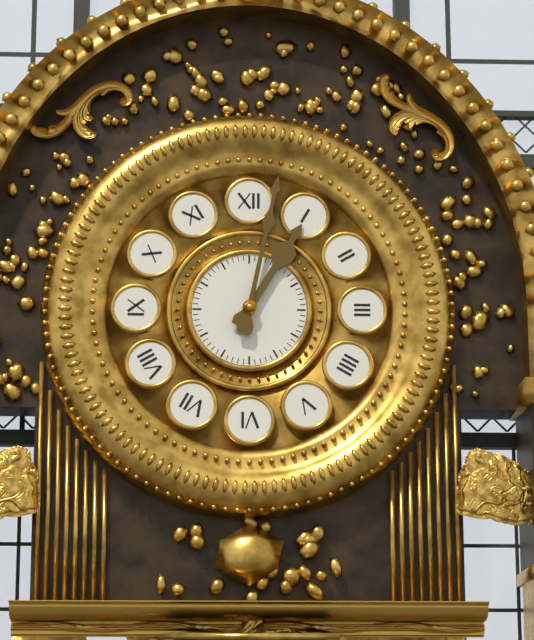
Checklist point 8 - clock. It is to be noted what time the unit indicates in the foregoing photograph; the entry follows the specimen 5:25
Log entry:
1:02
